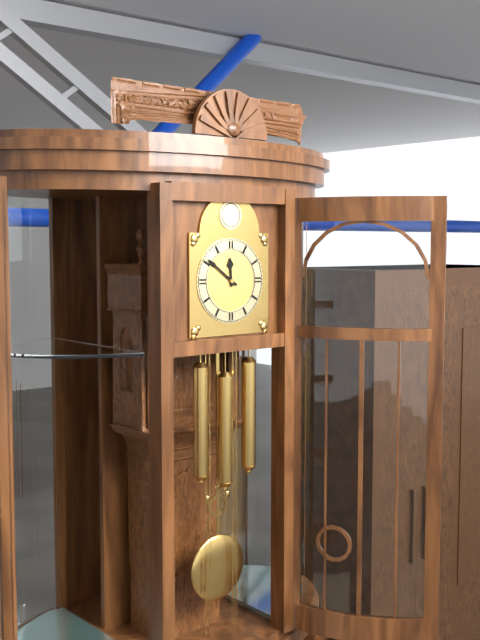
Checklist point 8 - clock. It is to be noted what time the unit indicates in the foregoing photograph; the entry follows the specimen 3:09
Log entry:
11:51
